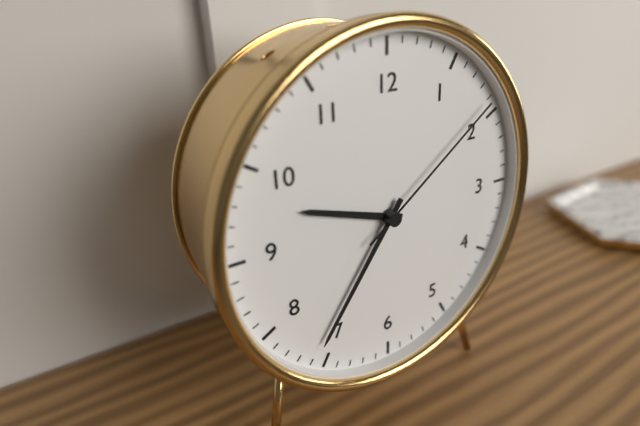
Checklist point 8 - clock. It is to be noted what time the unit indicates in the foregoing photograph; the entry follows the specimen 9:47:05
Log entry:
9:36:09
